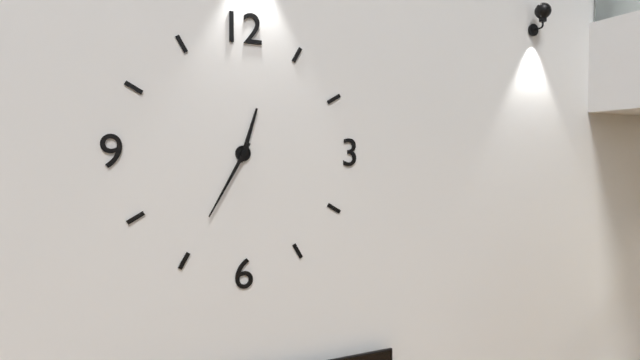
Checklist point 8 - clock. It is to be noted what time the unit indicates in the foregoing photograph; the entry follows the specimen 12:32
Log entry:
12:35
